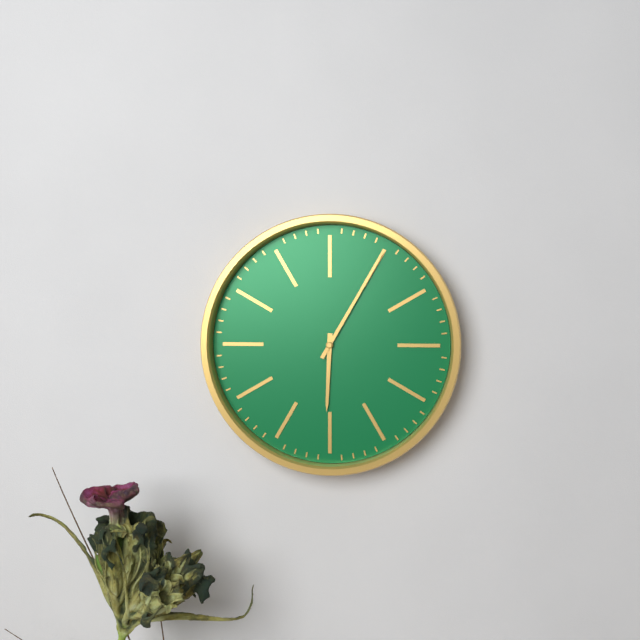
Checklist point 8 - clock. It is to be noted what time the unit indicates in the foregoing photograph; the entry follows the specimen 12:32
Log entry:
6:05
